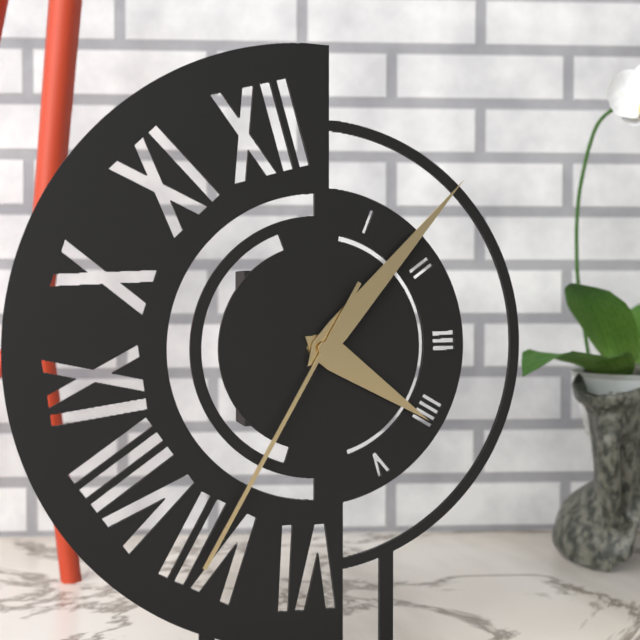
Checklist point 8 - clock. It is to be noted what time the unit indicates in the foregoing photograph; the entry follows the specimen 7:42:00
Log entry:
4:07:35
